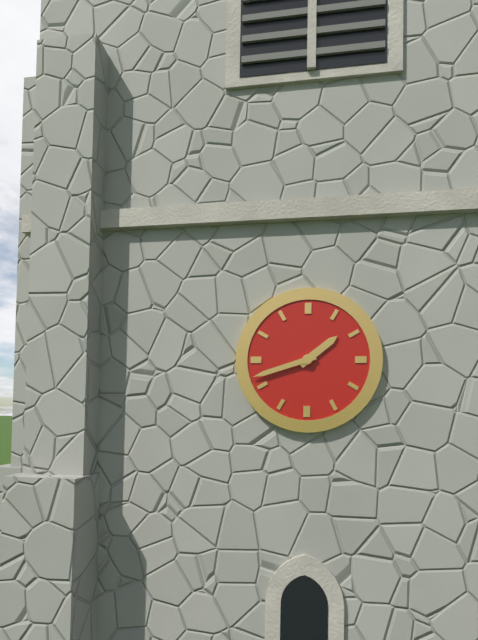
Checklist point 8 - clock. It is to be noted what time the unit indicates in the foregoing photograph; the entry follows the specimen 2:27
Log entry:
1:42
